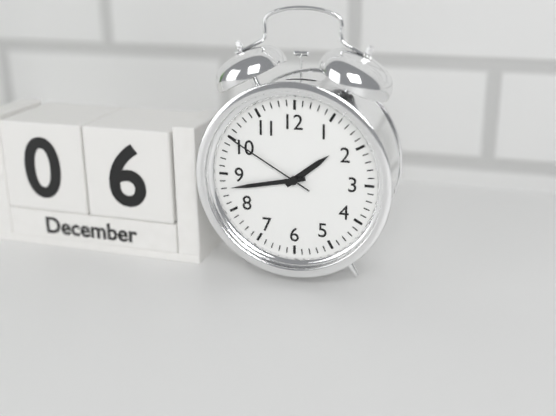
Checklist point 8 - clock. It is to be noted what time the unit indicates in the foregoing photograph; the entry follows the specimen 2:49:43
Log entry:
1:43:50
